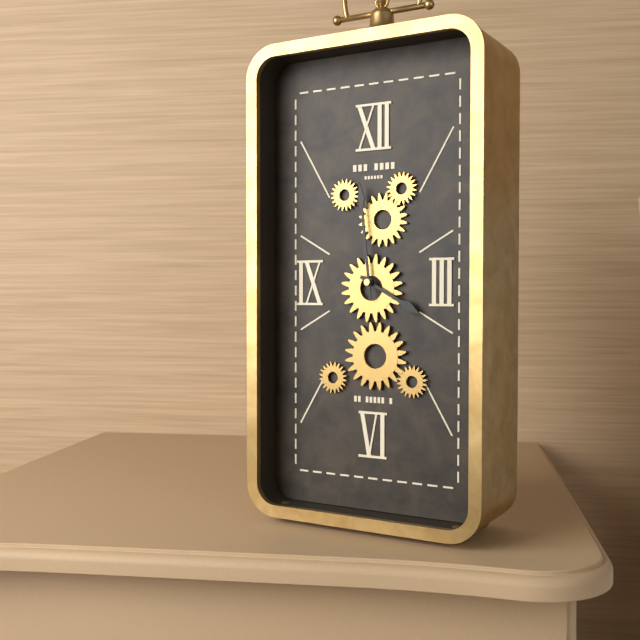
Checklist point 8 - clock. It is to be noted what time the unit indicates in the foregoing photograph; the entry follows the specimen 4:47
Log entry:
3:59
